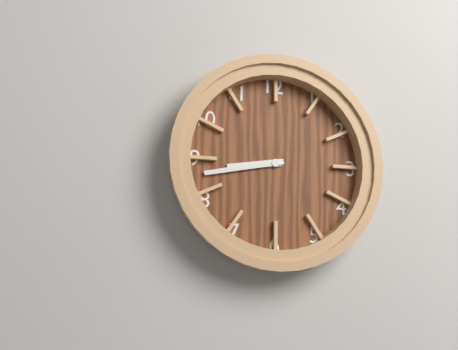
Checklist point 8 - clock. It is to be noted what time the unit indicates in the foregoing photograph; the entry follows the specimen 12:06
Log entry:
8:43
